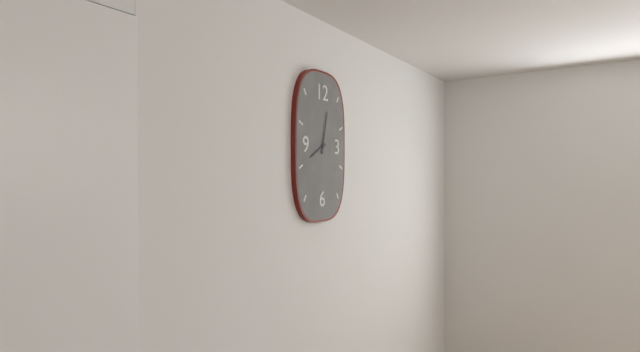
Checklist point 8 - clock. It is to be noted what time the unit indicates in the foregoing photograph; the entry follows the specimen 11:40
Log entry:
8:02
